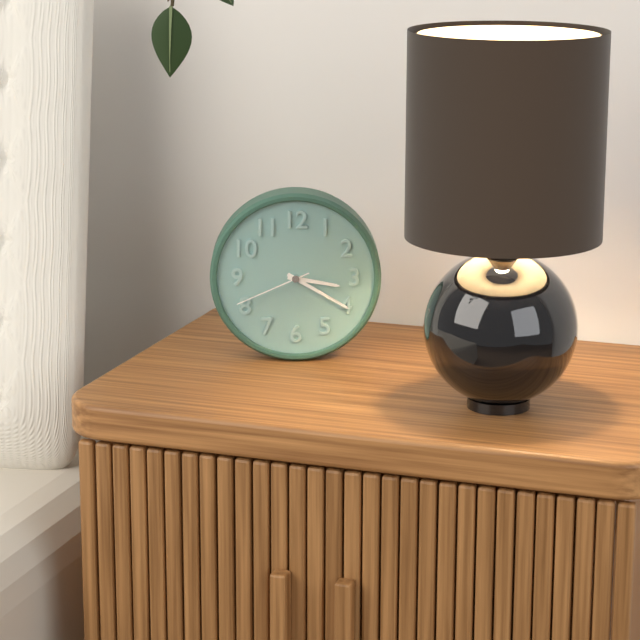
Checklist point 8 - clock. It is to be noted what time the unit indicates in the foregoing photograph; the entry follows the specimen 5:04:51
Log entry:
3:20:41
